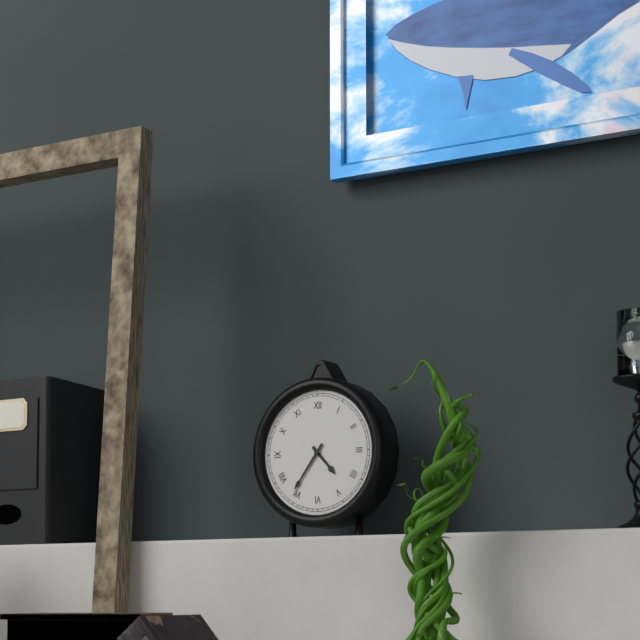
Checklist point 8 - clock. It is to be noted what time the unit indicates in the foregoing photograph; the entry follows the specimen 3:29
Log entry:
4:36
